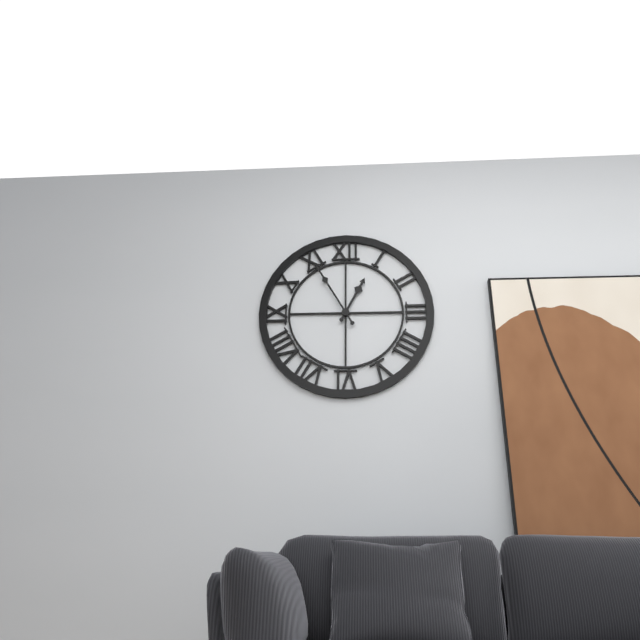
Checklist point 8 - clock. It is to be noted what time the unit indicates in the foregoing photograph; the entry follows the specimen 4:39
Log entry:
12:55
